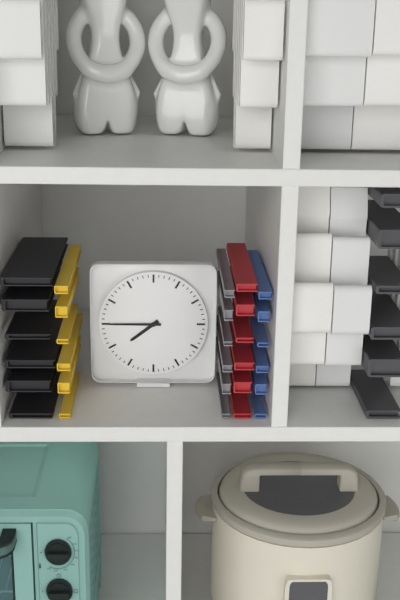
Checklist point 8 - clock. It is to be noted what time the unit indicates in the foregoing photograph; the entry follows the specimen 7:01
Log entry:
7:45
